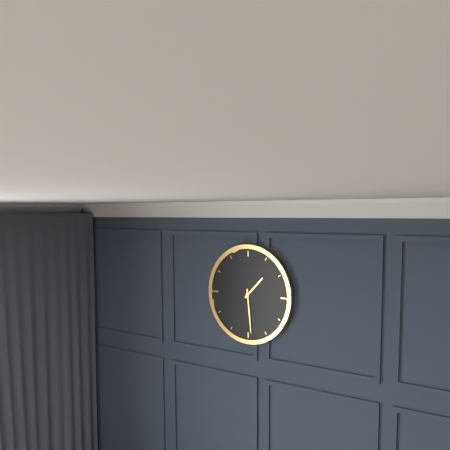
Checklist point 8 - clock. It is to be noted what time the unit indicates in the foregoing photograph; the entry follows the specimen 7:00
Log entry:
1:29
